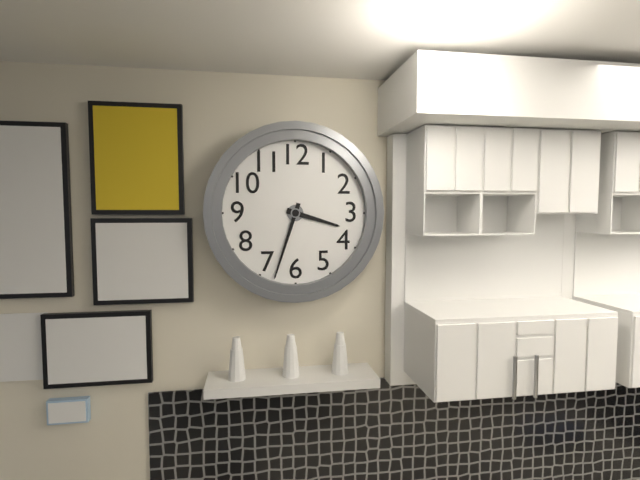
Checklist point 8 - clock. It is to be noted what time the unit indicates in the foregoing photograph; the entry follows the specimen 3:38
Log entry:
3:33
